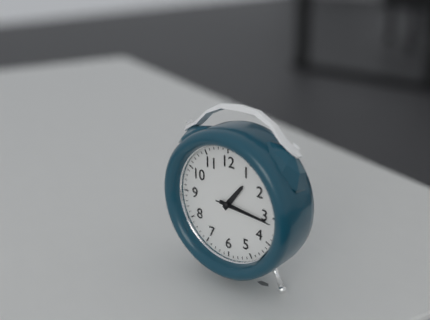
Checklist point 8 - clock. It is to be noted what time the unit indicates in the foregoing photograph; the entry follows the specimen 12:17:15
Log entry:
1:16:16
